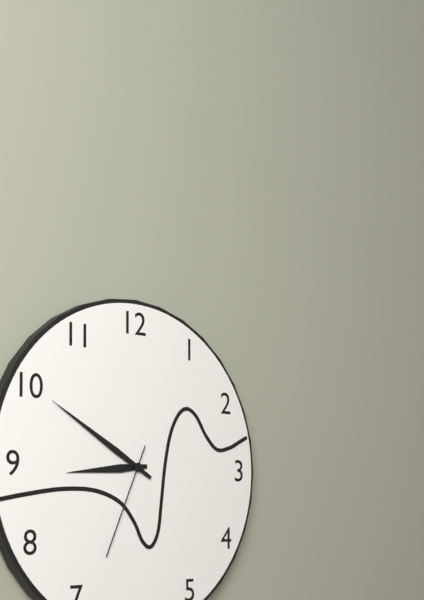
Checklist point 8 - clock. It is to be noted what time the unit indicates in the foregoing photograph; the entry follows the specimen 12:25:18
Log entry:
8:50:34
